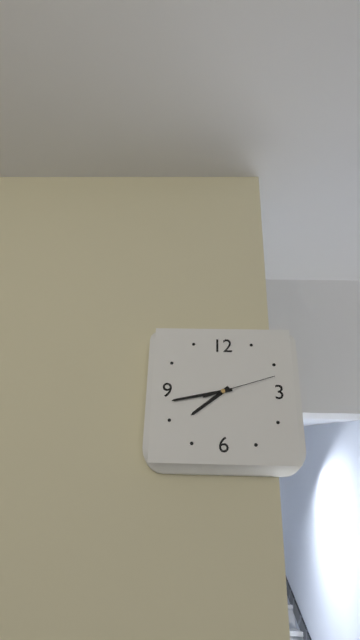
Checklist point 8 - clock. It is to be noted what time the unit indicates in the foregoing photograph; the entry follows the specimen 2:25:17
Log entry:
7:43:12
